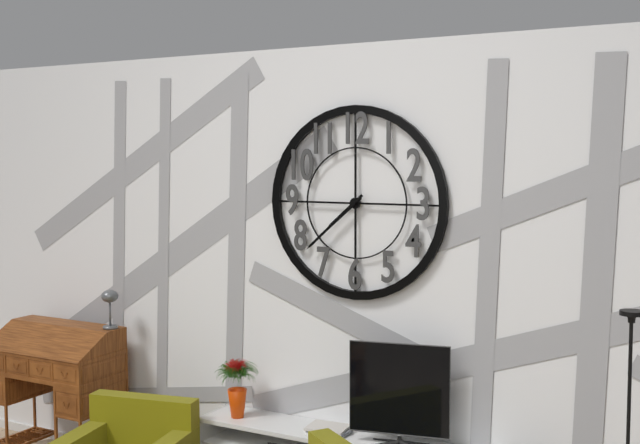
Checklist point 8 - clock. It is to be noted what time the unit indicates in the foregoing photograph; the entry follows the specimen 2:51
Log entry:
7:38
